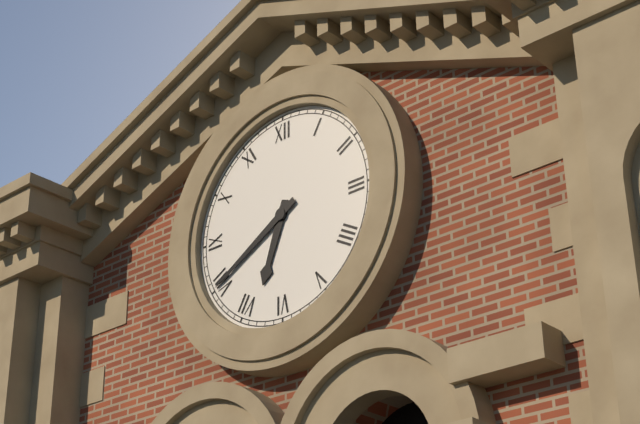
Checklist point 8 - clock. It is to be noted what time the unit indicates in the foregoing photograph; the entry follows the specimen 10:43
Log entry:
6:40
